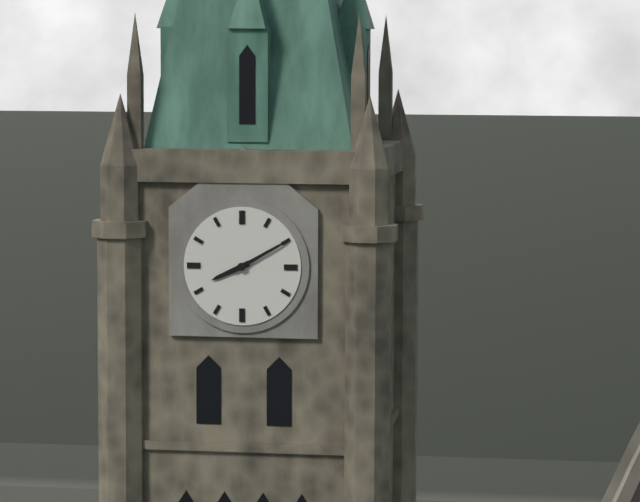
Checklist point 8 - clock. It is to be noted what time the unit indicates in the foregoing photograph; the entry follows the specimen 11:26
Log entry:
8:10
